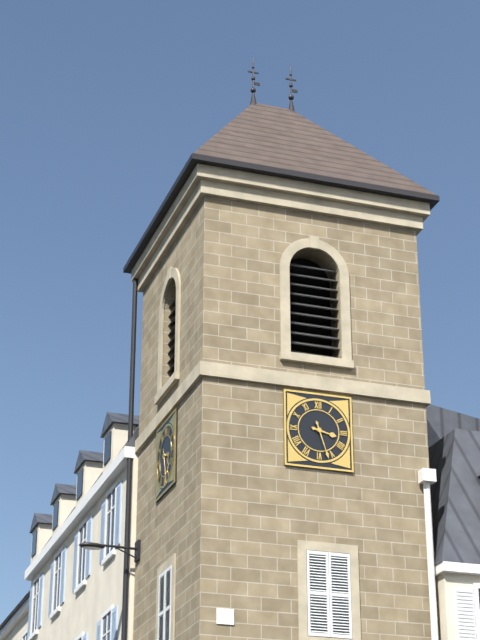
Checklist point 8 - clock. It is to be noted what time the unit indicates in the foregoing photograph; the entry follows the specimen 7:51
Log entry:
3:27
